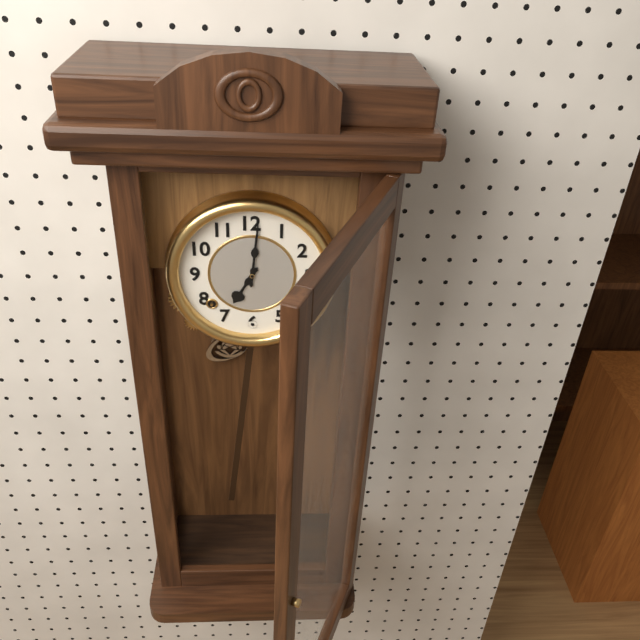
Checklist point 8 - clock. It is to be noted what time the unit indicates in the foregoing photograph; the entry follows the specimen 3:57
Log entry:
7:01
